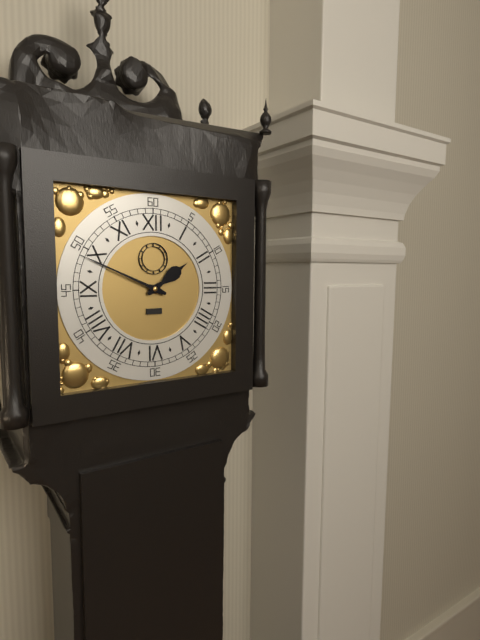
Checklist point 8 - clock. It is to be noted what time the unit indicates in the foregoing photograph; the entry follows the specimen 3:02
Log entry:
1:49
